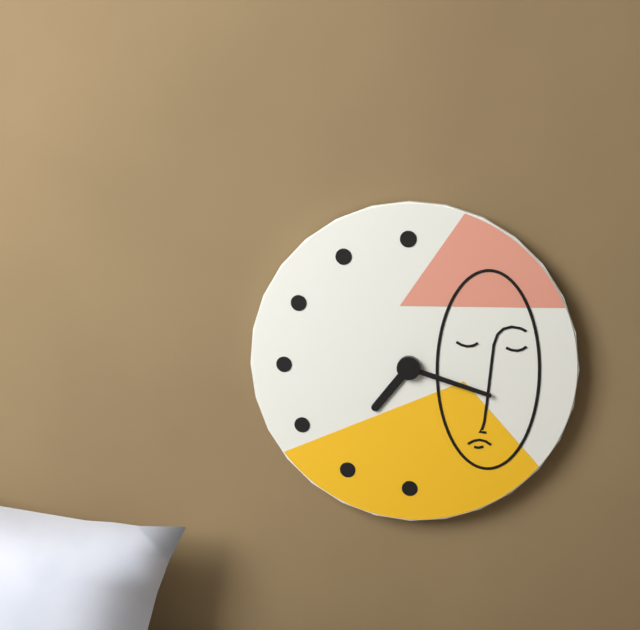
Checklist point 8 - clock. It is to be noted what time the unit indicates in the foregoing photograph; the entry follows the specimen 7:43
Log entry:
7:18
